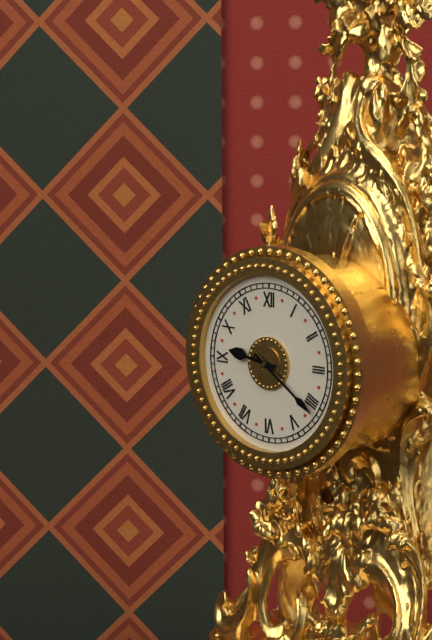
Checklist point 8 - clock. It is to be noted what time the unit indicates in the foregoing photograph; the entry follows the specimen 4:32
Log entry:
9:21
